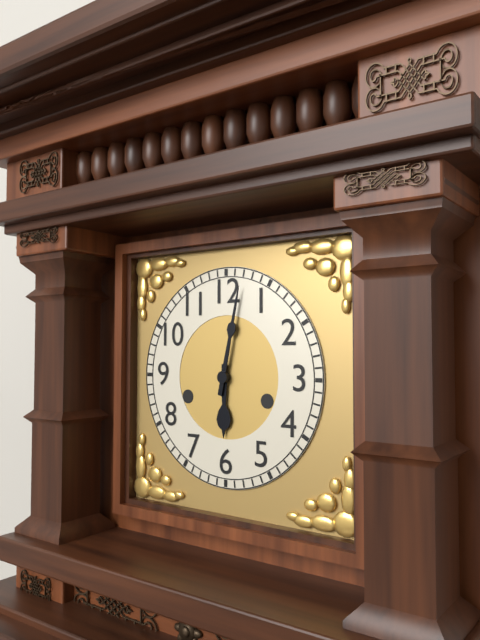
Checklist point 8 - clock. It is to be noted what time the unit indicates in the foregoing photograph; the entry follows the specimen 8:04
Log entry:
6:02
